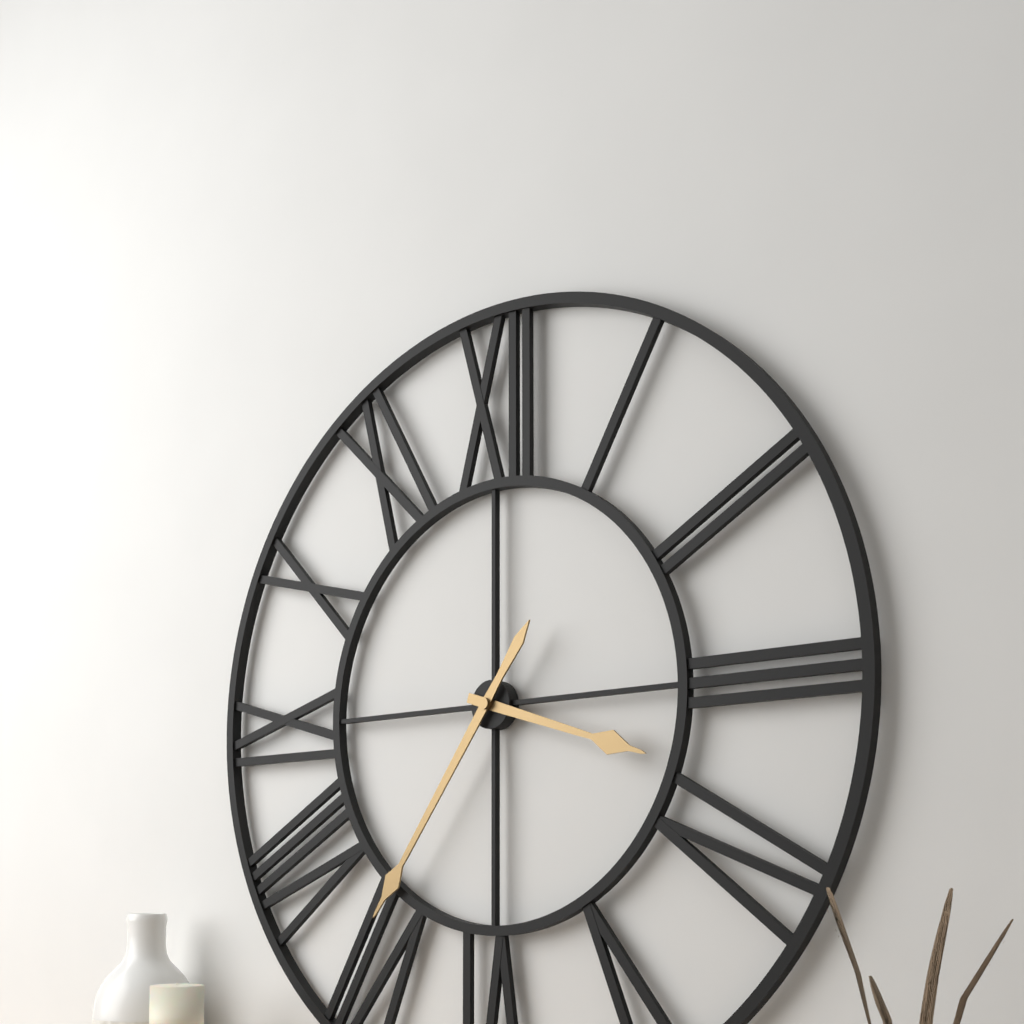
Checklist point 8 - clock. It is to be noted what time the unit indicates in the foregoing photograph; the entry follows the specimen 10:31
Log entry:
3:36
